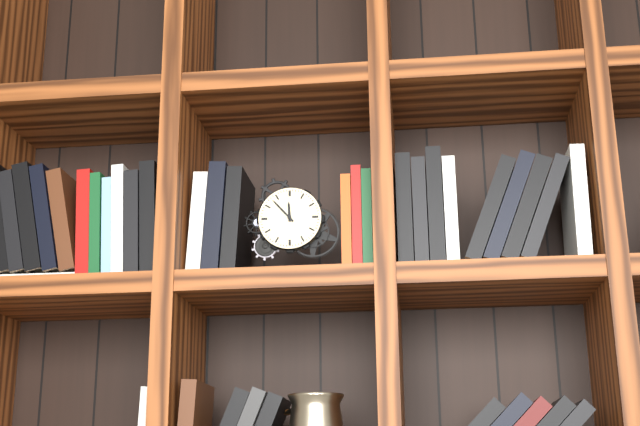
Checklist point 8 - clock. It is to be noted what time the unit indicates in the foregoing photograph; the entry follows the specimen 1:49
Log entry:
11:53
